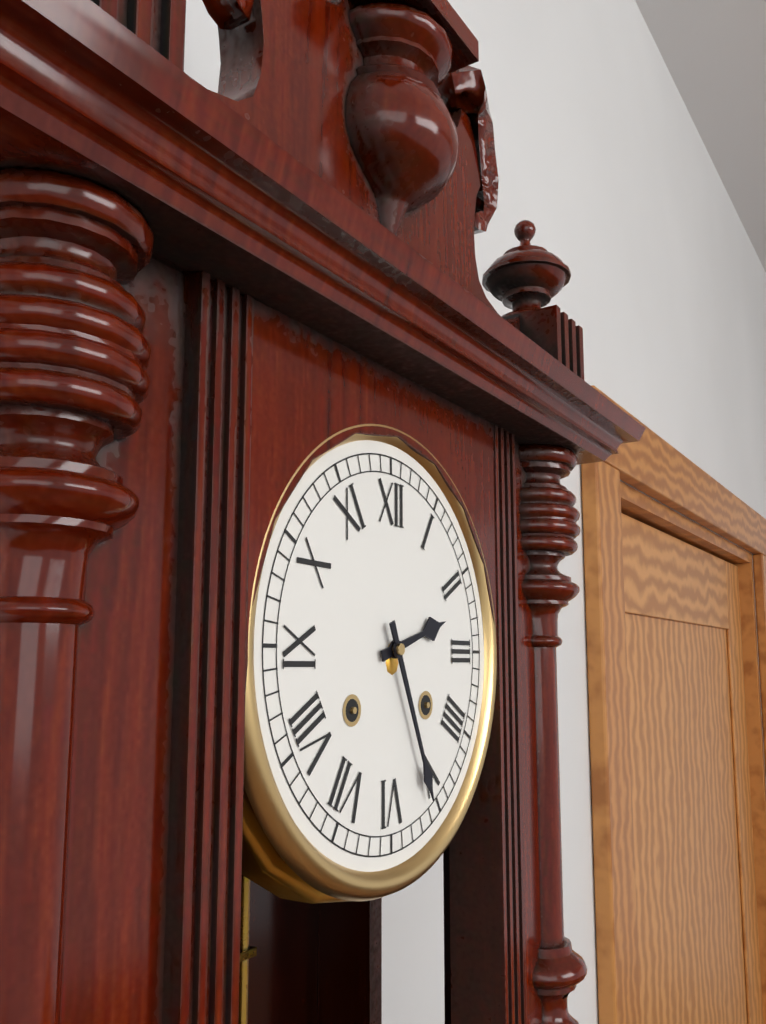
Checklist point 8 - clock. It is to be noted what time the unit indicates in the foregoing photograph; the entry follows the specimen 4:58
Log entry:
2:26
